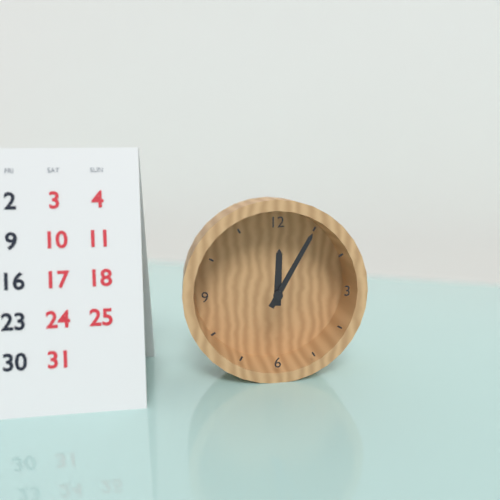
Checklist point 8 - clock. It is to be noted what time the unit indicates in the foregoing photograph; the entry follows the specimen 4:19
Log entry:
12:05
